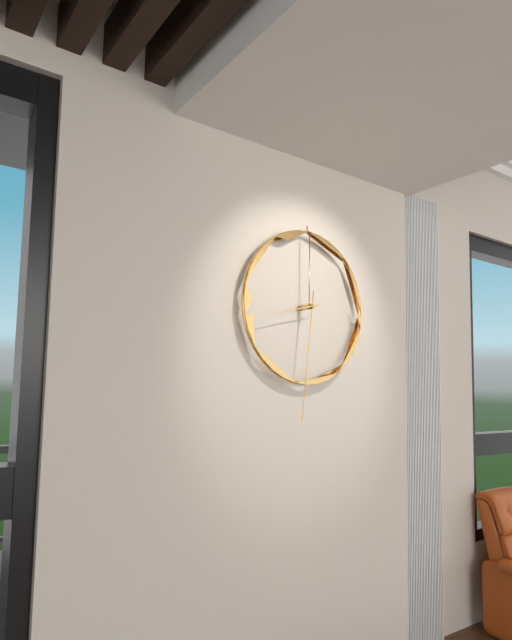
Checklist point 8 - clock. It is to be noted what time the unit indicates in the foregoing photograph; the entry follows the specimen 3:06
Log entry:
8:31
